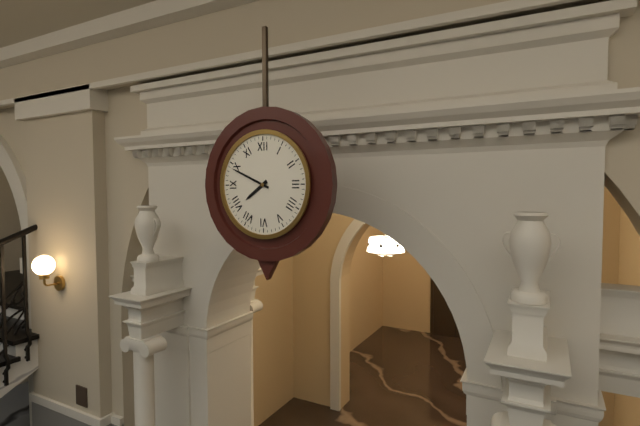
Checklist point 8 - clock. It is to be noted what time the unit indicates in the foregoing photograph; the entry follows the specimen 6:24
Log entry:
7:49
